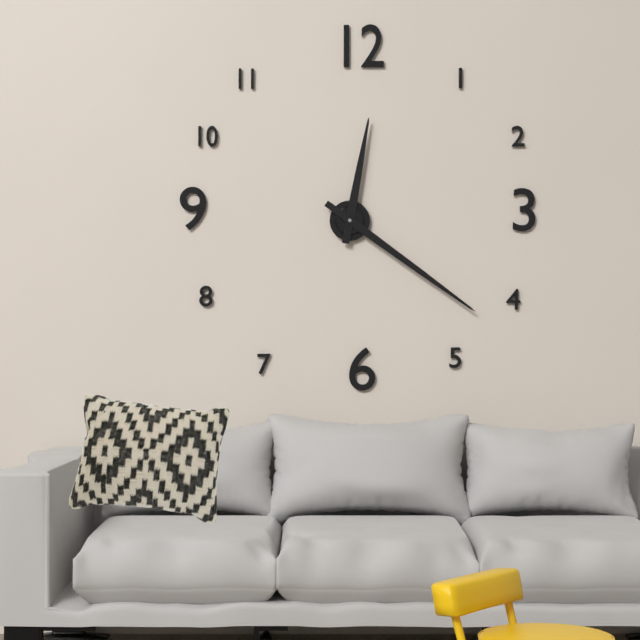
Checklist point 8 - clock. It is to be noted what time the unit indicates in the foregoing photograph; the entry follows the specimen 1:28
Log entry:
12:21
